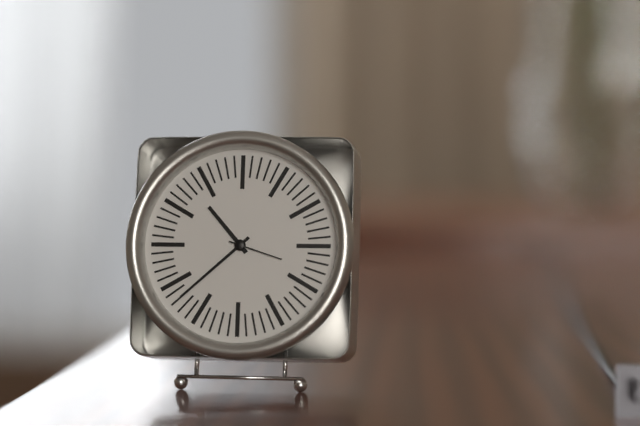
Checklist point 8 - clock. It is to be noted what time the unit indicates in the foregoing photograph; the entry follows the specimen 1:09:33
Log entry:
10:38:18
